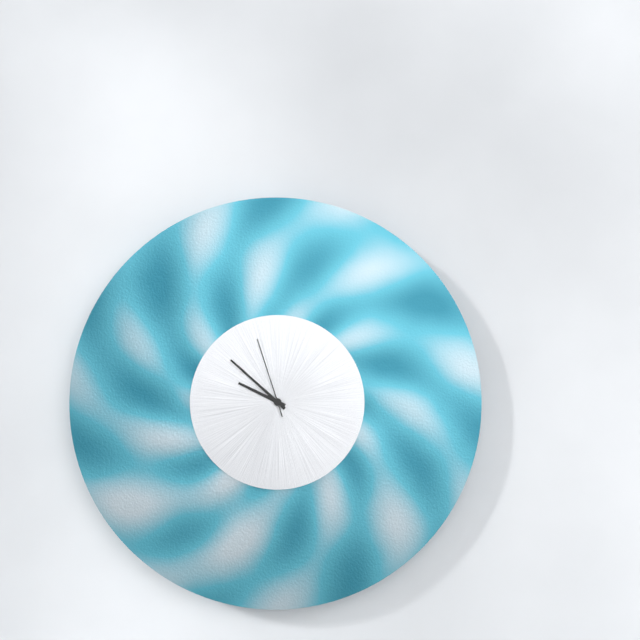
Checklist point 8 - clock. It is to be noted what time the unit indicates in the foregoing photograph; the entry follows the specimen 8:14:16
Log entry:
9:52:57
